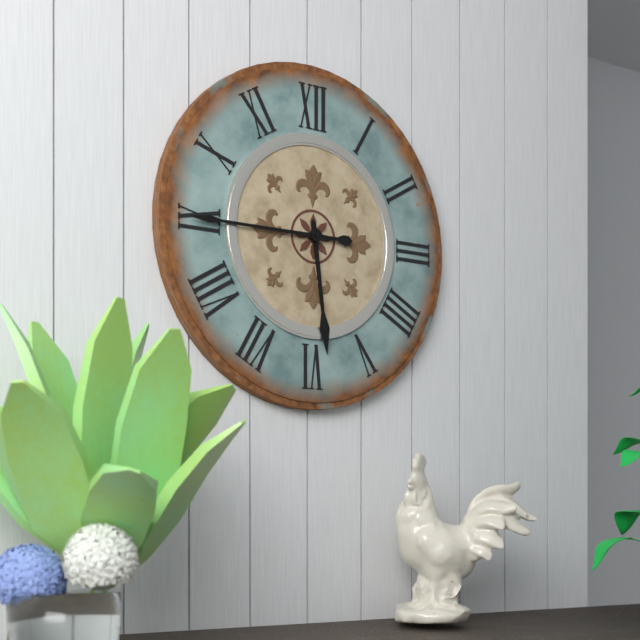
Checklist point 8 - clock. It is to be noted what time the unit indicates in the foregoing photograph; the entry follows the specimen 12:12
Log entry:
5:45
